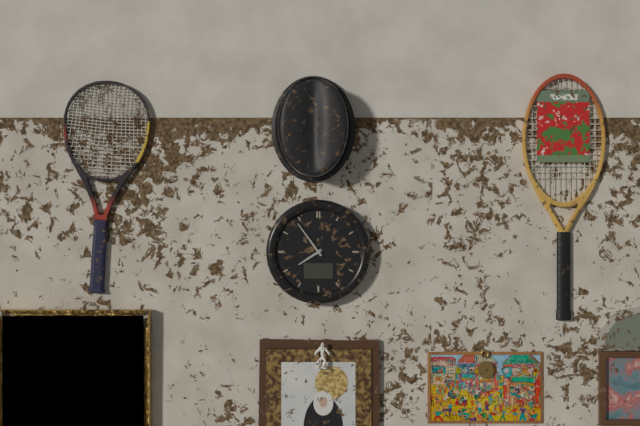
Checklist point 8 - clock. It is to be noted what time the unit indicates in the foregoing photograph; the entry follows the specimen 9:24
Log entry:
7:54
